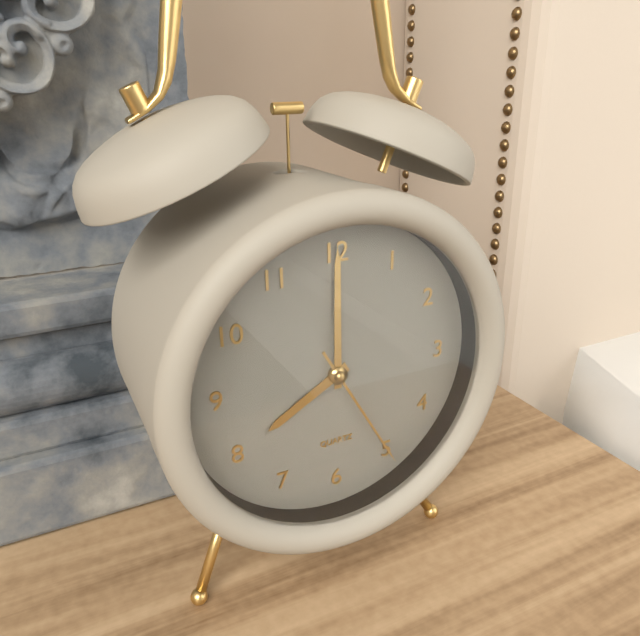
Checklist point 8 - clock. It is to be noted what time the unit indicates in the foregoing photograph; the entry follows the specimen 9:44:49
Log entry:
8:00:25
